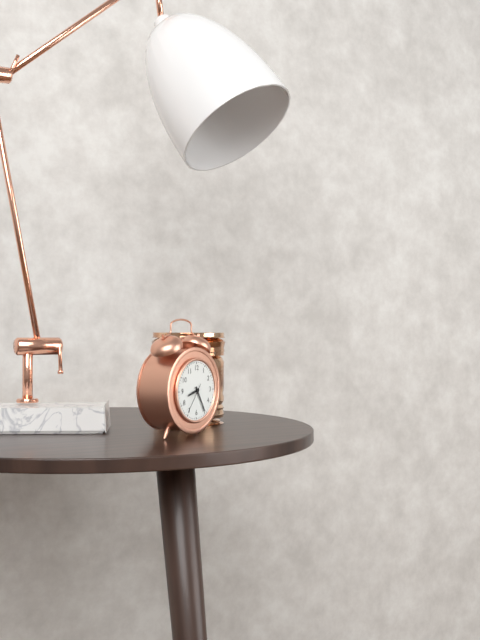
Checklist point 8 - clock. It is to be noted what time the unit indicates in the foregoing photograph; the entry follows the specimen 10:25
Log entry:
8:25
